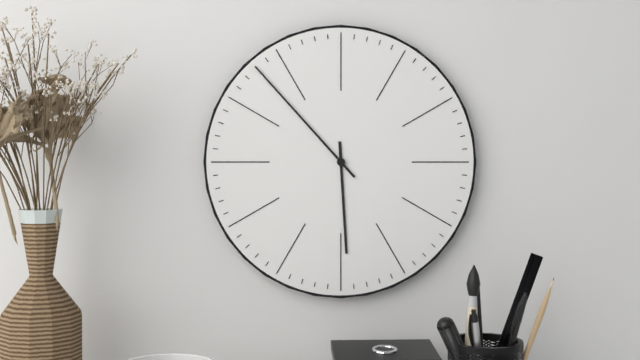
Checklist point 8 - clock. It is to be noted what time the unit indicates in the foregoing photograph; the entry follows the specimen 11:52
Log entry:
5:53
